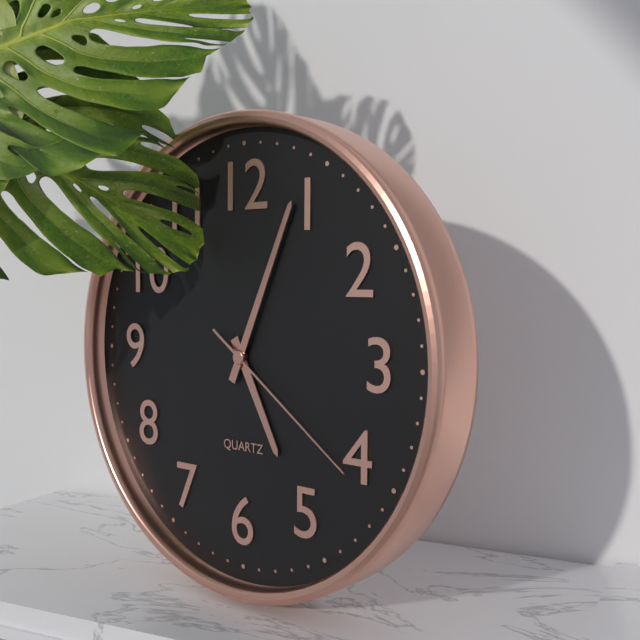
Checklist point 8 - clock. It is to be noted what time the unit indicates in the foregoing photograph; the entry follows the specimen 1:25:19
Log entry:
5:04:21
